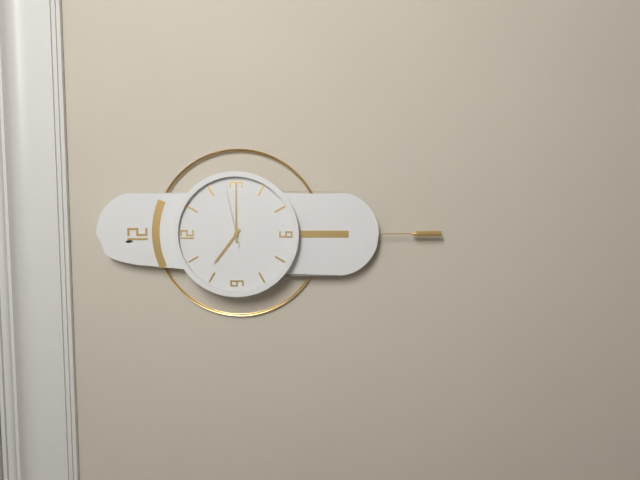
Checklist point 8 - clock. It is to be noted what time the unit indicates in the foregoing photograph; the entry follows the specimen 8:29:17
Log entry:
10:15:13
